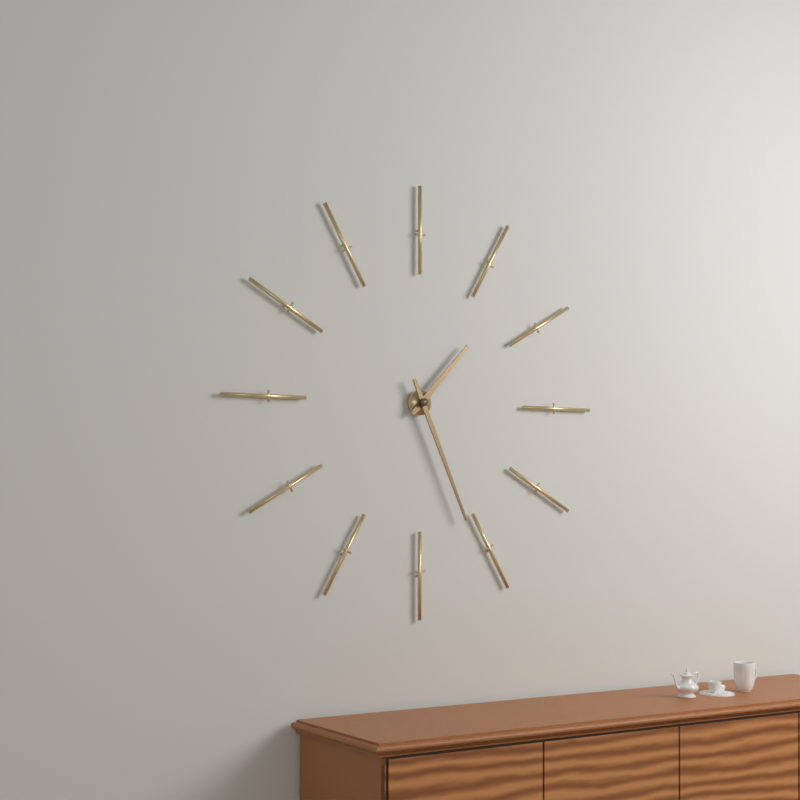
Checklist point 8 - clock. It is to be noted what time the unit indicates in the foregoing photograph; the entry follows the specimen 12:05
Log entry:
1:26
